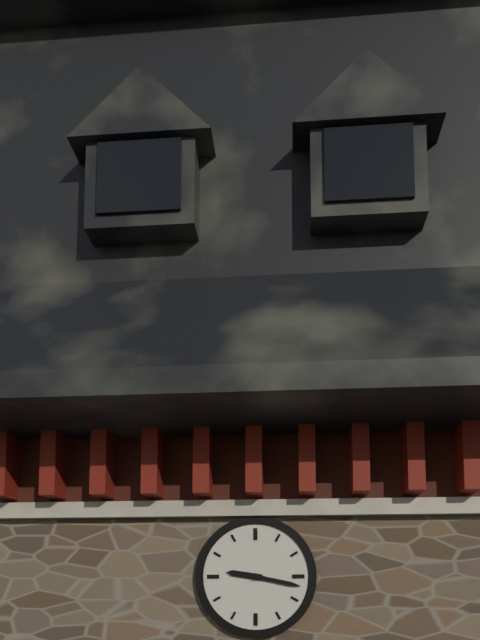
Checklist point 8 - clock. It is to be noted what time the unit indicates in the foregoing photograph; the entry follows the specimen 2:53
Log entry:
9:17
